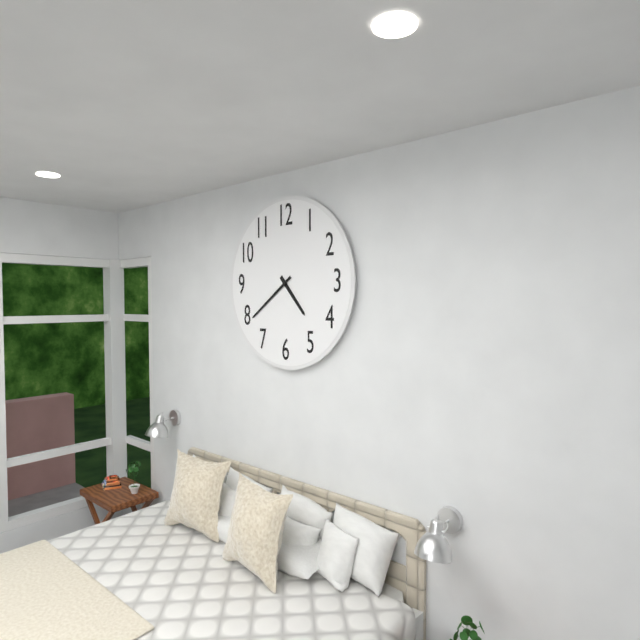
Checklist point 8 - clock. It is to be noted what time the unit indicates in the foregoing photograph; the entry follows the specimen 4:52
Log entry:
4:39
